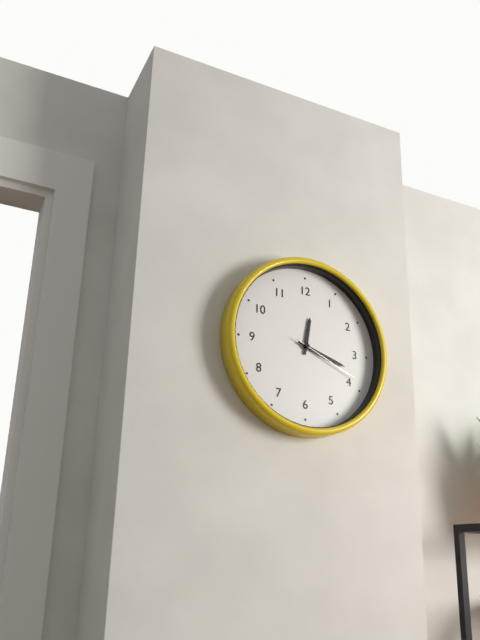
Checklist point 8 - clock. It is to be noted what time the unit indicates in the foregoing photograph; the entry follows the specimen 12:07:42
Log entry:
12:18:19
